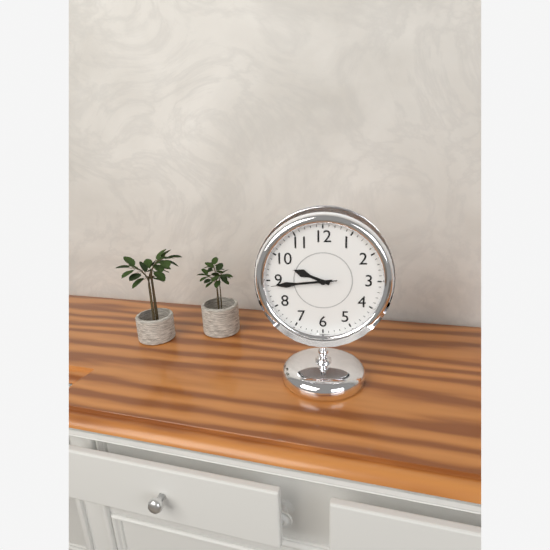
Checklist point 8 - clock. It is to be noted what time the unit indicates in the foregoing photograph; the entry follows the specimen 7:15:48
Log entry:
9:44:44
